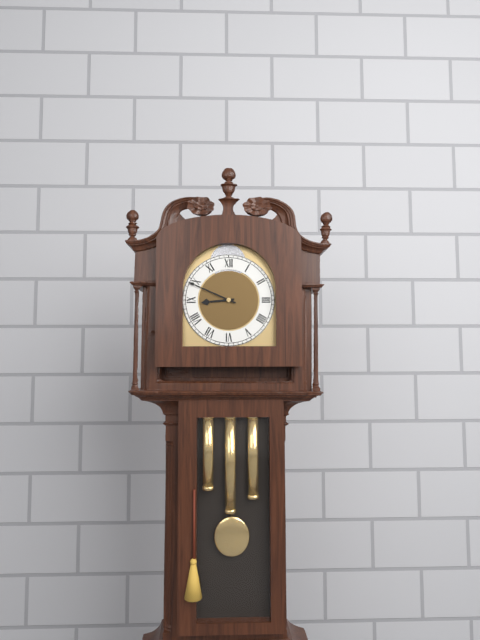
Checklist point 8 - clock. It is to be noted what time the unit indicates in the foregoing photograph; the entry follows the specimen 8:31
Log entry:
8:49
